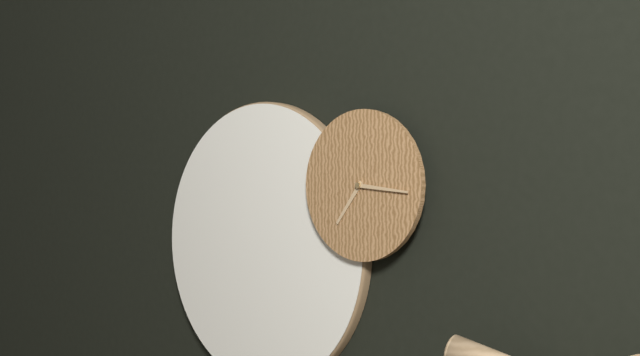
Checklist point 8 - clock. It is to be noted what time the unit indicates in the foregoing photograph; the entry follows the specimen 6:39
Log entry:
7:16
